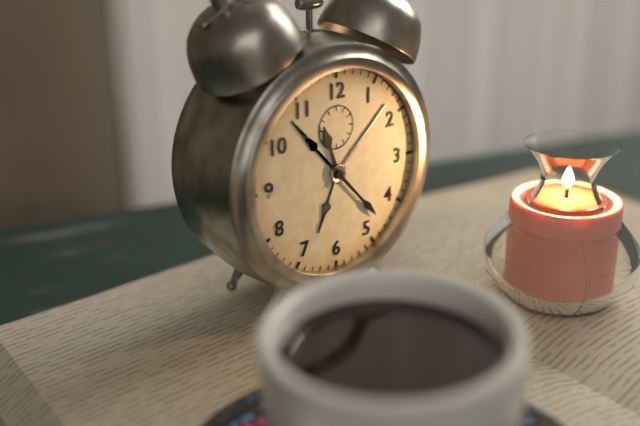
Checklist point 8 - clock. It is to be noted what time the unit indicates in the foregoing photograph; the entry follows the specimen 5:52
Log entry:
11:23
